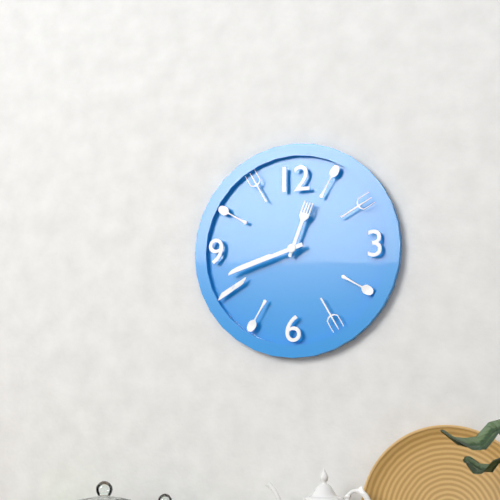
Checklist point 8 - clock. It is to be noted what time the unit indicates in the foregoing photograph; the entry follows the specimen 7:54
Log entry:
12:42
